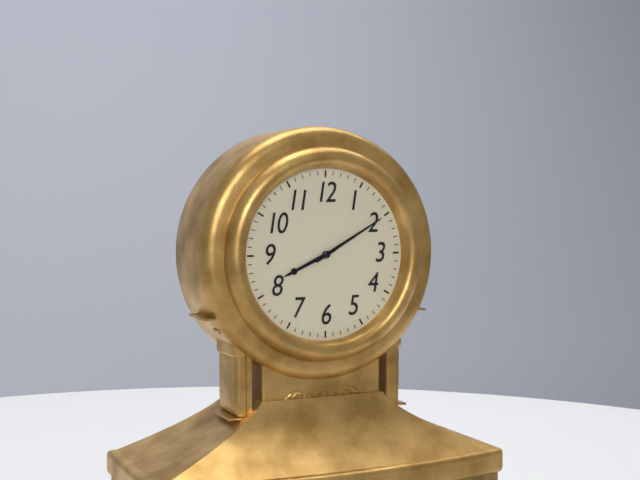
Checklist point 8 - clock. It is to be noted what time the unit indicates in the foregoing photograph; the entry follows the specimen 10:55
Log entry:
8:10
